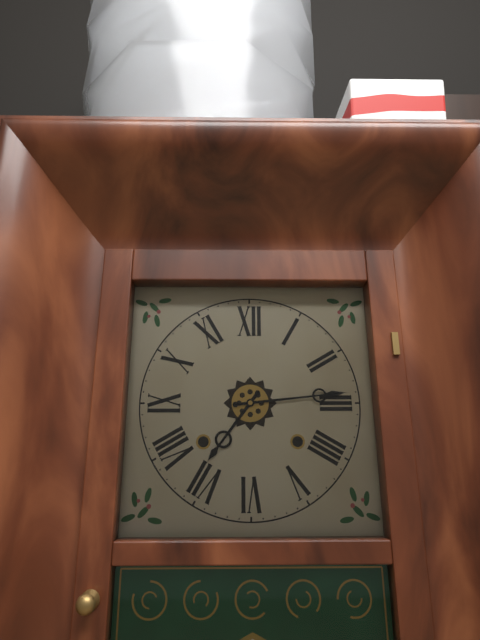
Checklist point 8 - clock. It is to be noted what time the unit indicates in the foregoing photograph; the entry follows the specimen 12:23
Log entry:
7:14
